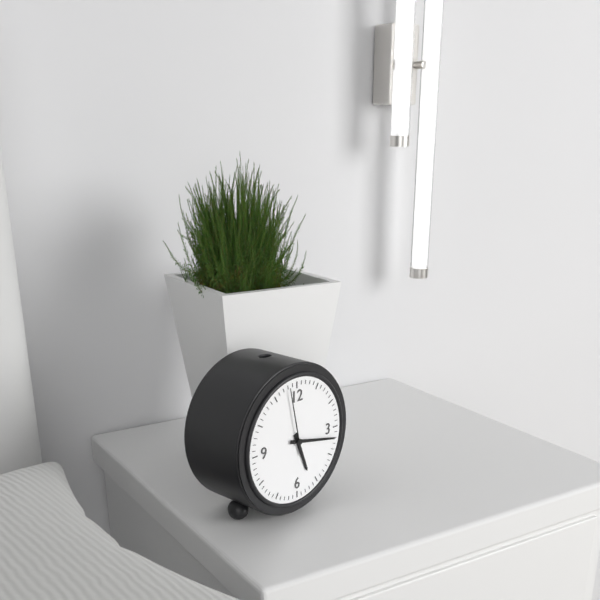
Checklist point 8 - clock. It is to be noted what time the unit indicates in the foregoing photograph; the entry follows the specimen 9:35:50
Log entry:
5:17:58
